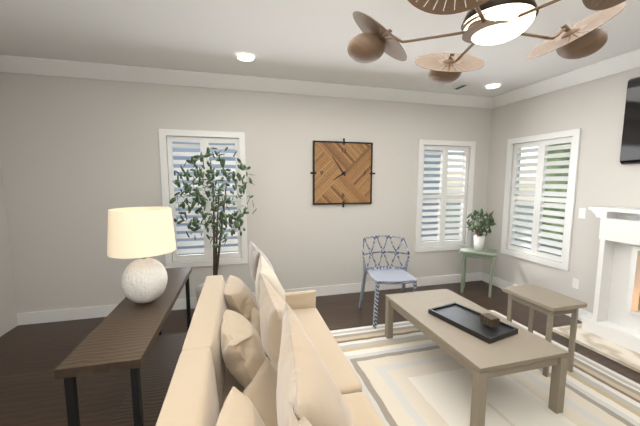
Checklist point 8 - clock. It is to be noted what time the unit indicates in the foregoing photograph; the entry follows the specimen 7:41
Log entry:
7:54
